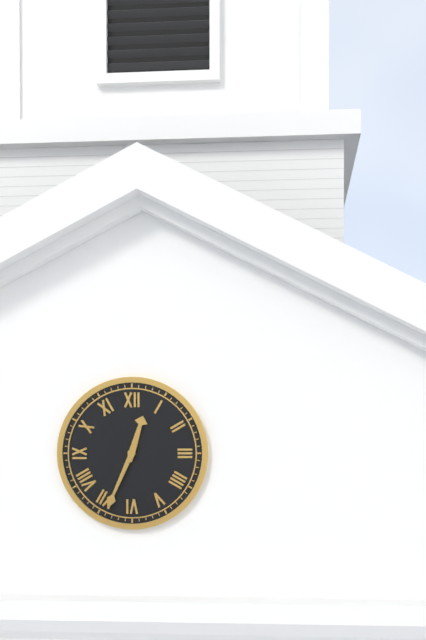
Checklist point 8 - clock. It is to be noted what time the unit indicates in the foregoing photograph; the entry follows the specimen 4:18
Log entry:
12:34
